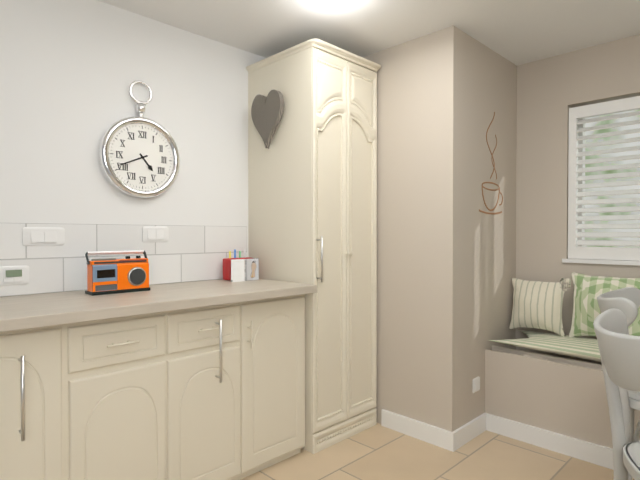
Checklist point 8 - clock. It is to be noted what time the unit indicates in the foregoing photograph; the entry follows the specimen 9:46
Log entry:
4:41
